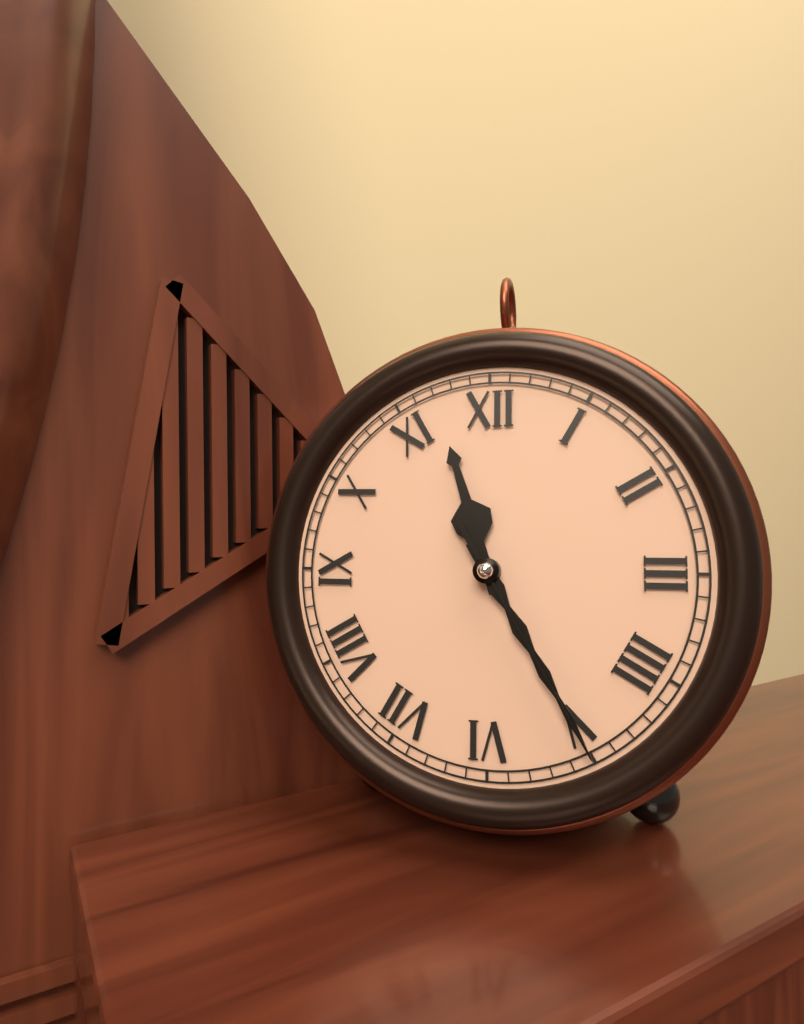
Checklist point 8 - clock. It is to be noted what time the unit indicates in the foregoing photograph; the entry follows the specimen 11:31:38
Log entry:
11:25:25
